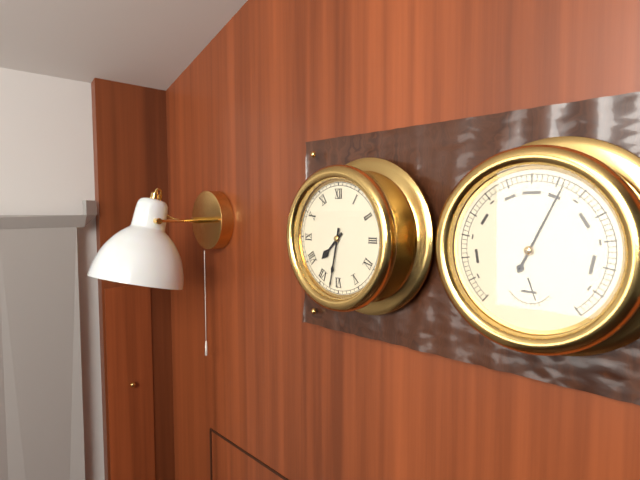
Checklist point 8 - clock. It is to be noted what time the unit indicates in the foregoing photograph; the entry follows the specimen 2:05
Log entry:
7:32
